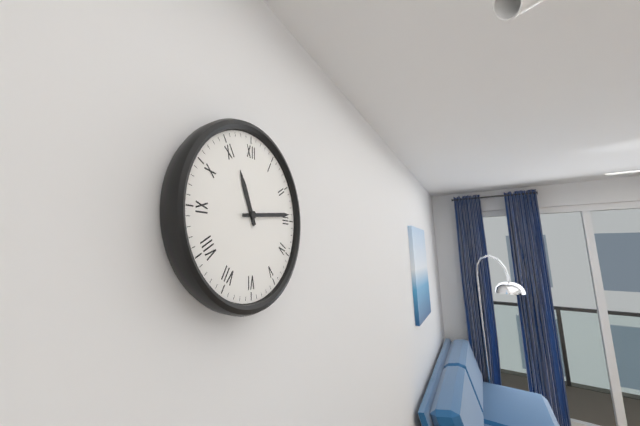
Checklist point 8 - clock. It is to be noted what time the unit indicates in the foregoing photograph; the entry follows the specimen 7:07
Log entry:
11:14
